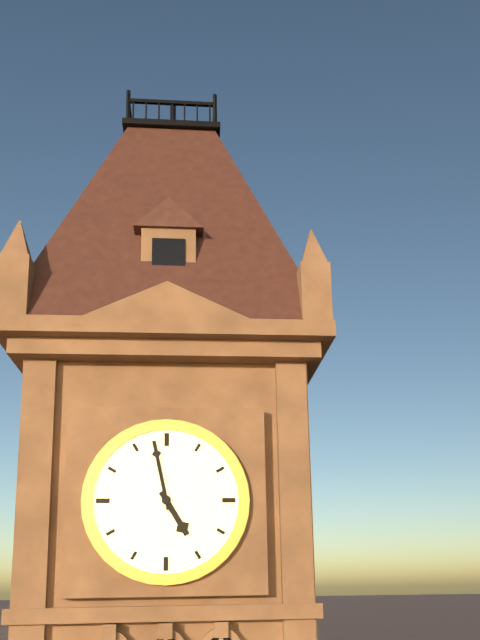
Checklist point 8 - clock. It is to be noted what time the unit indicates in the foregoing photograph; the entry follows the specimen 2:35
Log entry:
4:58
